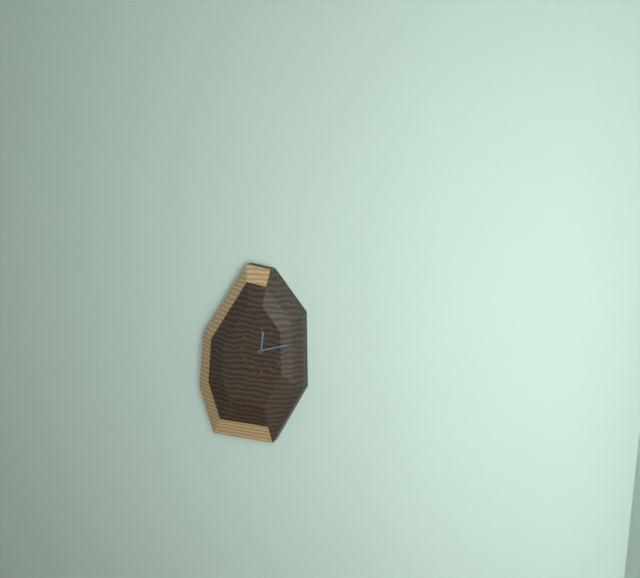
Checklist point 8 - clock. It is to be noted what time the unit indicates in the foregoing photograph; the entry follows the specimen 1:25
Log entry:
12:12
